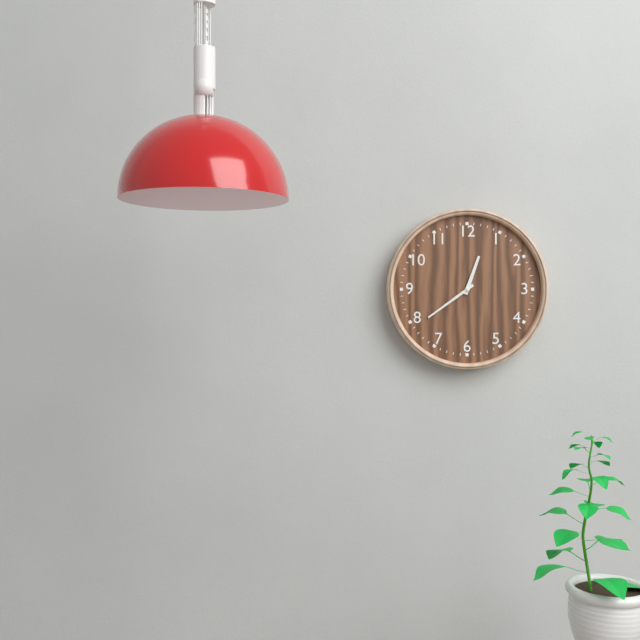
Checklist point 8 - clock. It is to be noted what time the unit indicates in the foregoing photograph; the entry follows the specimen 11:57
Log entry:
12:39
